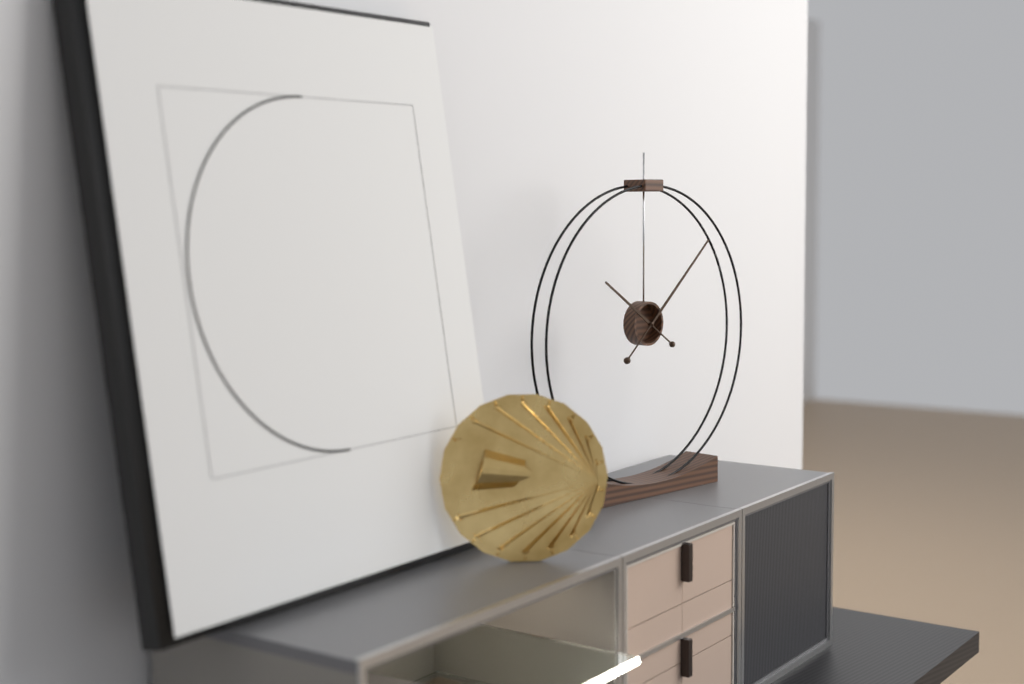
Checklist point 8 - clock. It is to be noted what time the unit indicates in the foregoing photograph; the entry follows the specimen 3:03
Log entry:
10:08
